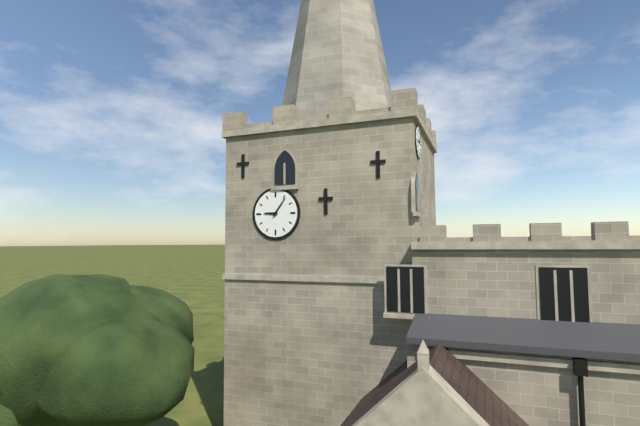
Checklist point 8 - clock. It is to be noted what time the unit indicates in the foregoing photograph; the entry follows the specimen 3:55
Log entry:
9:06
